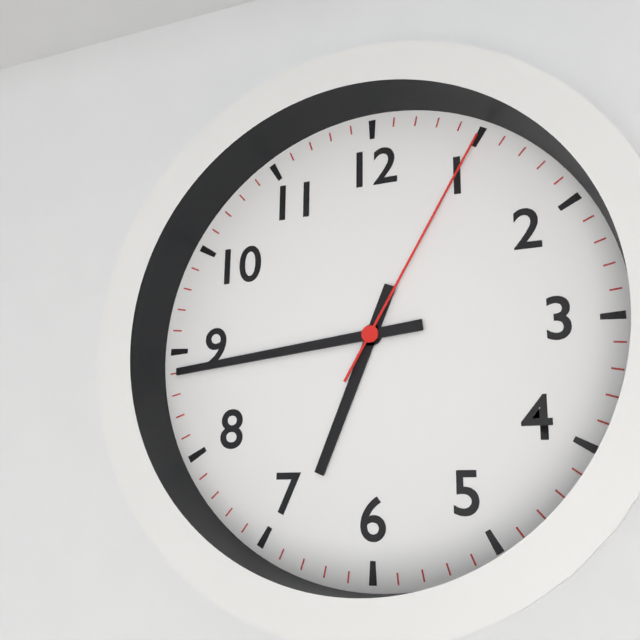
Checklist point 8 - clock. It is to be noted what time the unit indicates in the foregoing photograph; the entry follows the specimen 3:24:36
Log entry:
6:44:05
